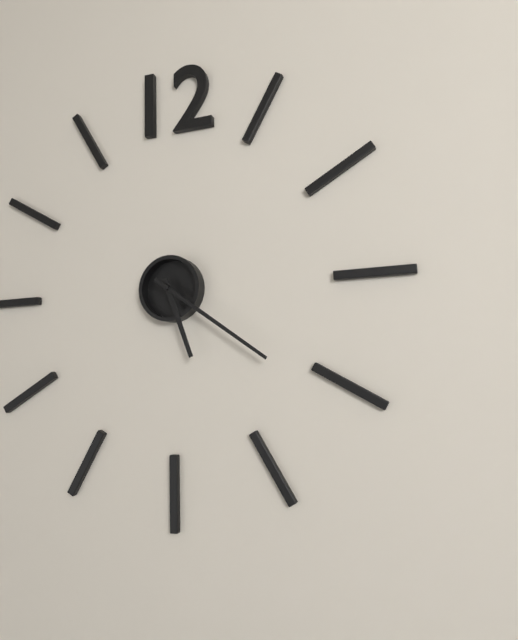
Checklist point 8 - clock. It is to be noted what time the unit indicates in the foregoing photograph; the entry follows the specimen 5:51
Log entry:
5:21
